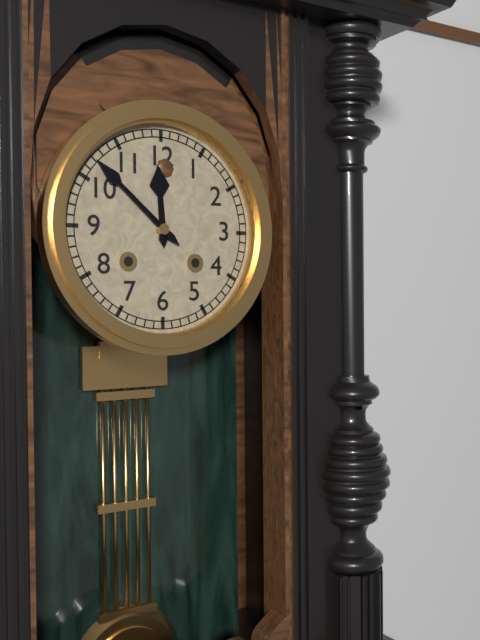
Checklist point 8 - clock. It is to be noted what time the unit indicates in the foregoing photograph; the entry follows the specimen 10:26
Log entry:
11:52
